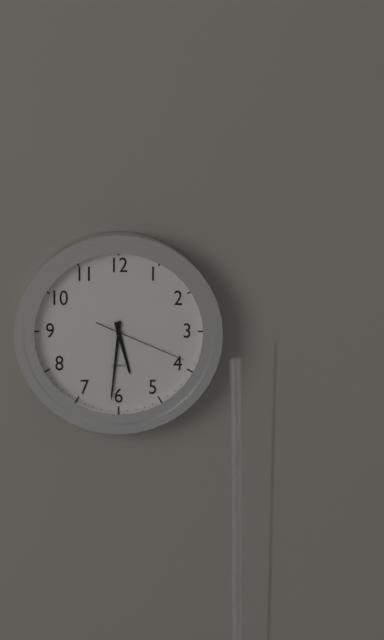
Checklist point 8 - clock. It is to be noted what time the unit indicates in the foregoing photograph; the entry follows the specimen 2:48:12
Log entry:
5:31:19
